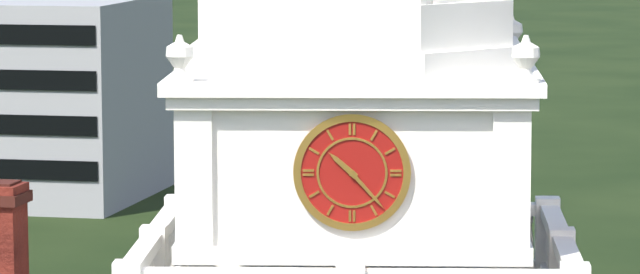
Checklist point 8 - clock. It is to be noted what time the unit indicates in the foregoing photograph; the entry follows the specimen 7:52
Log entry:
10:23
